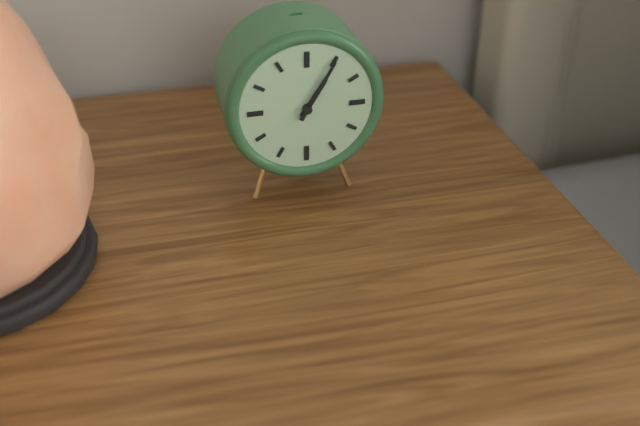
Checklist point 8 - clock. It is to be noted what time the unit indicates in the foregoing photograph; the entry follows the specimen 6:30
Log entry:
1:05
